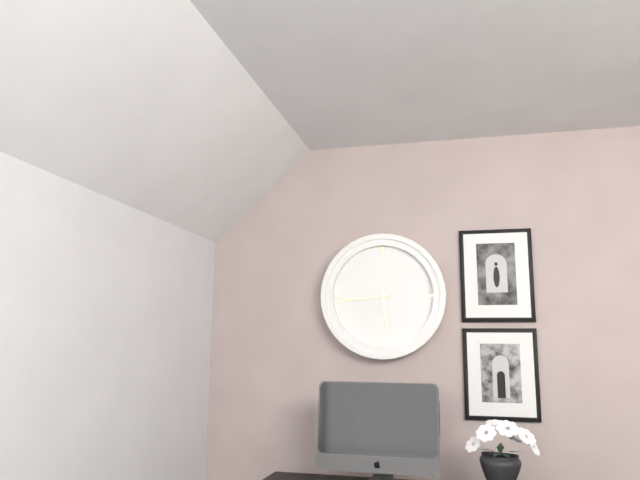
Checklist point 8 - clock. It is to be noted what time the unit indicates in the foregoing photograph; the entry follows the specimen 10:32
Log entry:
5:44
